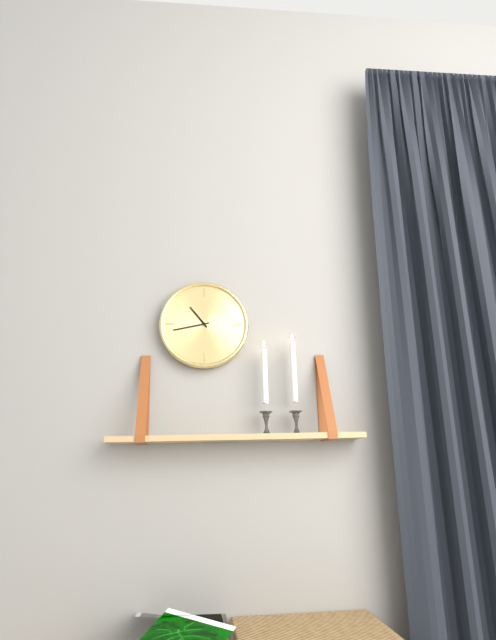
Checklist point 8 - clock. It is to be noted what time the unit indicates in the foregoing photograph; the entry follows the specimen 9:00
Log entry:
10:43
